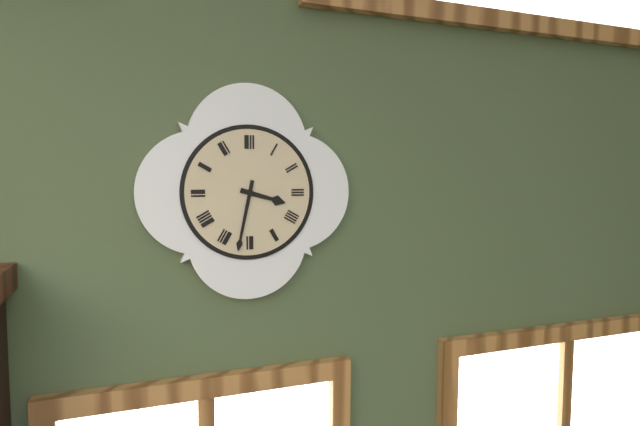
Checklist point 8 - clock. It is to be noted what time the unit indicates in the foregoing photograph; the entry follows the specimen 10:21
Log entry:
3:32
